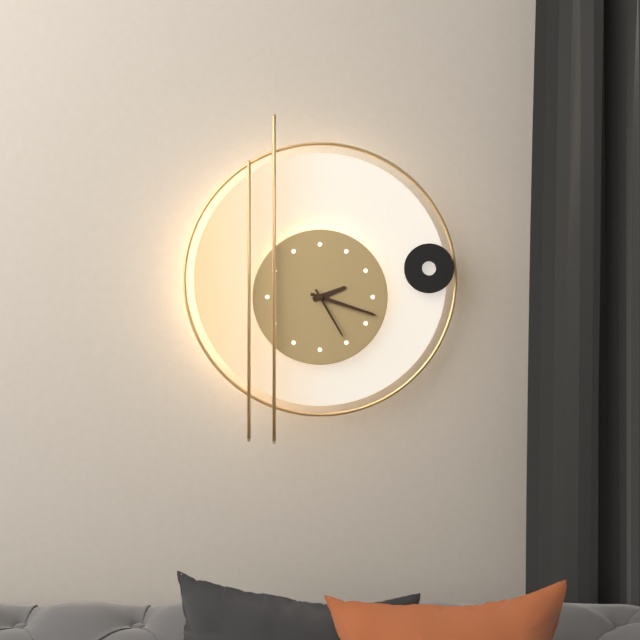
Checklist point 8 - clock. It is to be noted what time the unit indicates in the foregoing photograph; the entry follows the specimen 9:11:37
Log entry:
2:18:25
